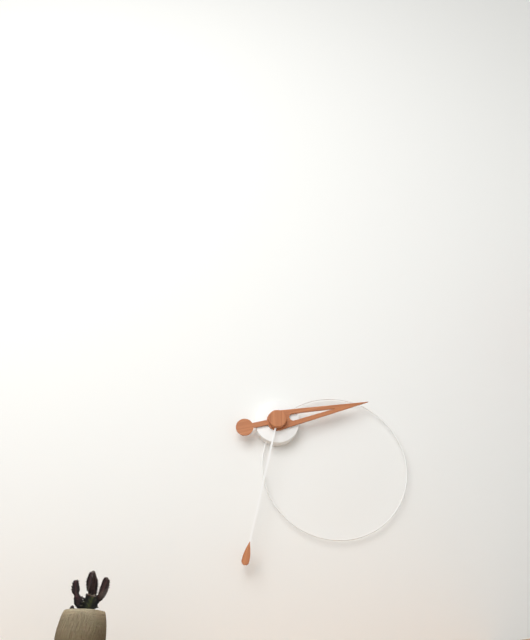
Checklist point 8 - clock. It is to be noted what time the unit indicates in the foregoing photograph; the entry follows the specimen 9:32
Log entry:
2:32
